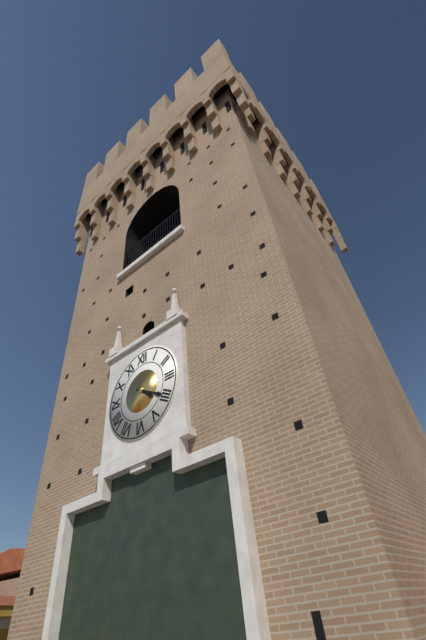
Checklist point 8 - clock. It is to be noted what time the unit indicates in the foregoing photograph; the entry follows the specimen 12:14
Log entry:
4:20
